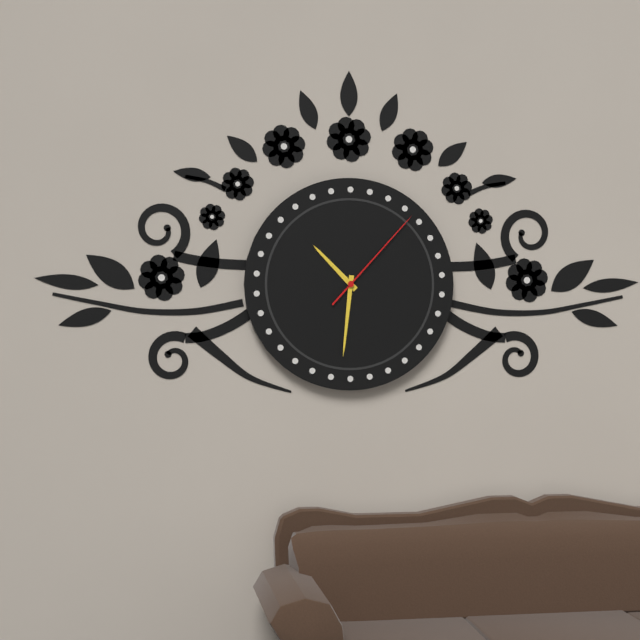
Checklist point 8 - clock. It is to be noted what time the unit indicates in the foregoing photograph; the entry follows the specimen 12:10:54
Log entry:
10:31:07
